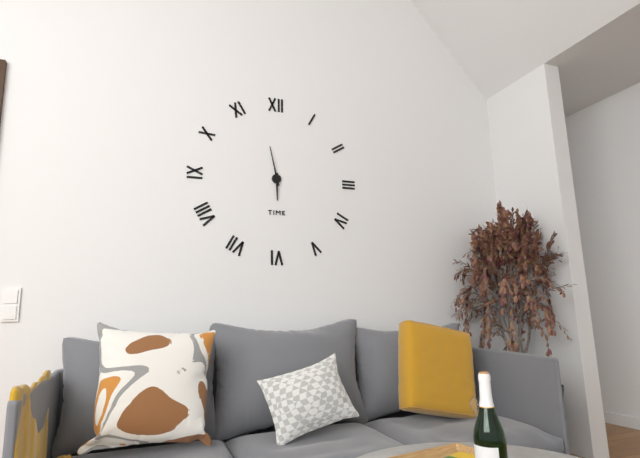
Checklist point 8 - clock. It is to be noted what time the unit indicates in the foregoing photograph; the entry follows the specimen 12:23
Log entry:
5:58
